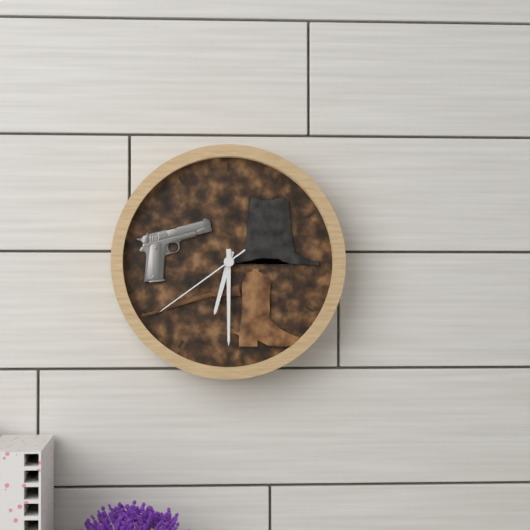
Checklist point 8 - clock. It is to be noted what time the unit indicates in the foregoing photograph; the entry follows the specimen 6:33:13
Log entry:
6:30:39
